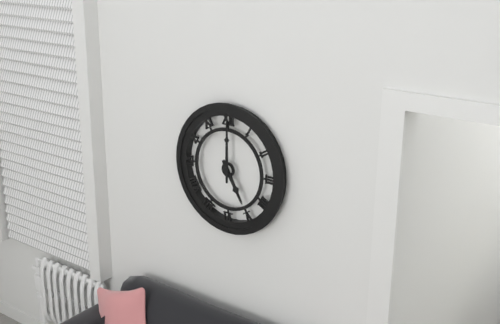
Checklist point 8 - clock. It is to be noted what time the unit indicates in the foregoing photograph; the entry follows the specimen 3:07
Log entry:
5:00
